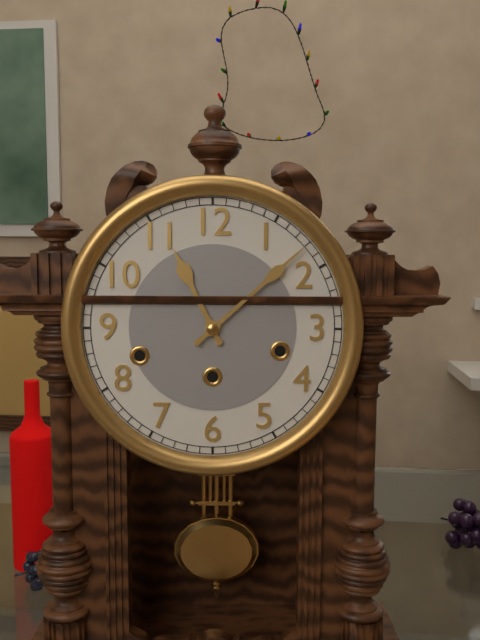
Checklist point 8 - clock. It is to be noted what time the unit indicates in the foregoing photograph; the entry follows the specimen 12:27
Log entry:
11:08
